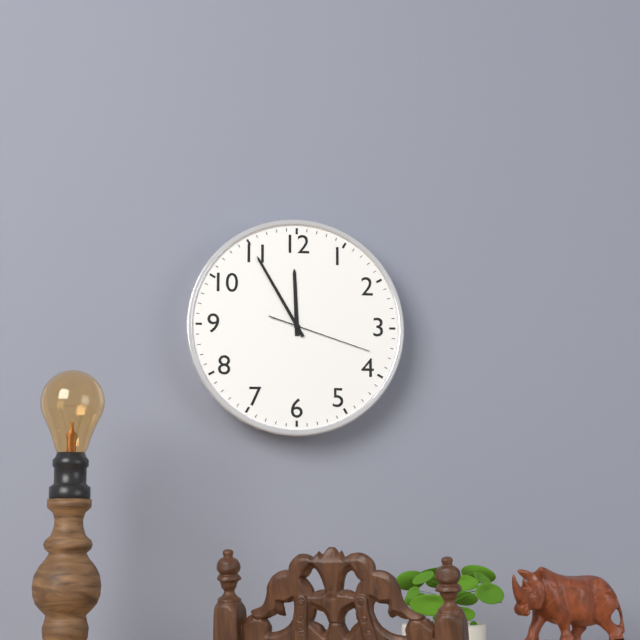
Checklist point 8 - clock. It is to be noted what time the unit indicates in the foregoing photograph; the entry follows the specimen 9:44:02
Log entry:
11:55:18
